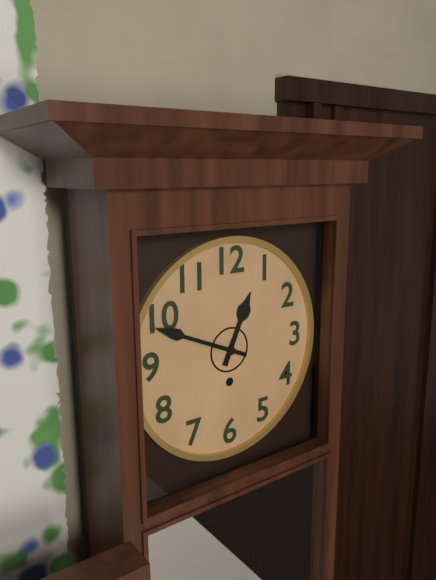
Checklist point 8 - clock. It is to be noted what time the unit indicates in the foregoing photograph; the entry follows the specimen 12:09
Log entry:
12:49
